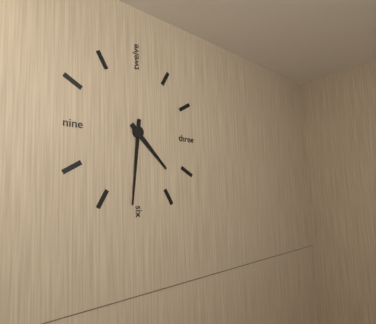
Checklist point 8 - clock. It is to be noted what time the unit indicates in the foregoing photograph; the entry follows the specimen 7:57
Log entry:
4:31
